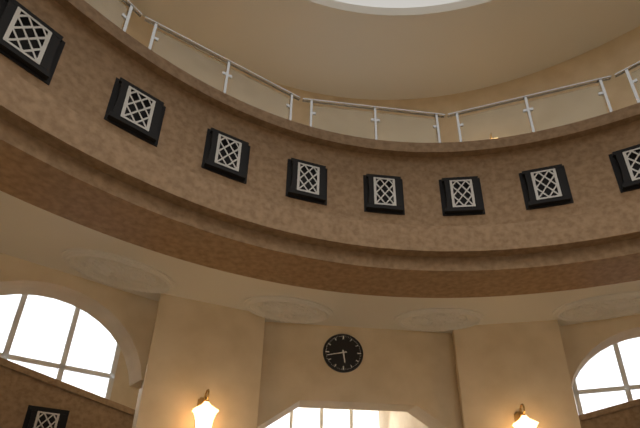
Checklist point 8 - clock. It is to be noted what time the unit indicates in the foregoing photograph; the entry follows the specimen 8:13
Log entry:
5:43
